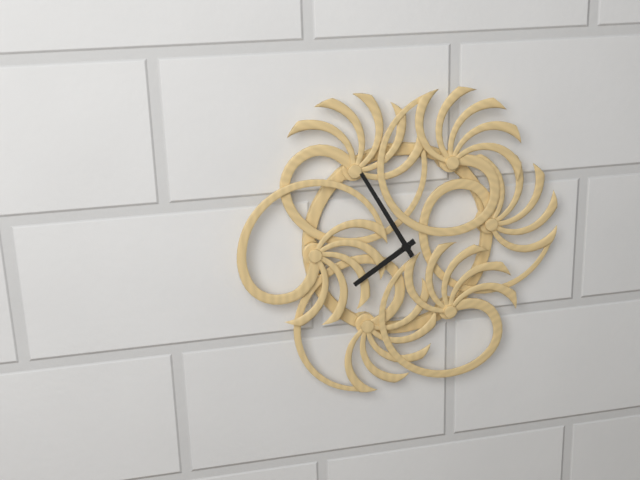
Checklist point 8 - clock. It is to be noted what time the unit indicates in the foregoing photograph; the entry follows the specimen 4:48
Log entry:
7:55
